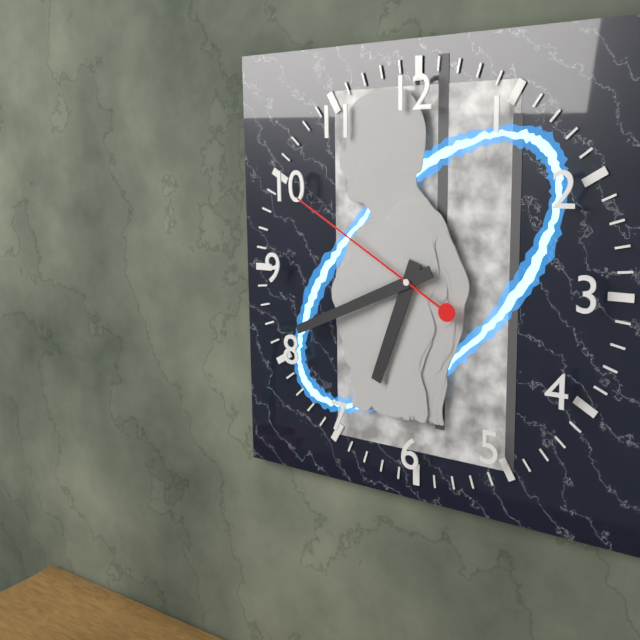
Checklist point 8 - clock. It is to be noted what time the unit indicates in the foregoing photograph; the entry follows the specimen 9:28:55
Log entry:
6:41:50
